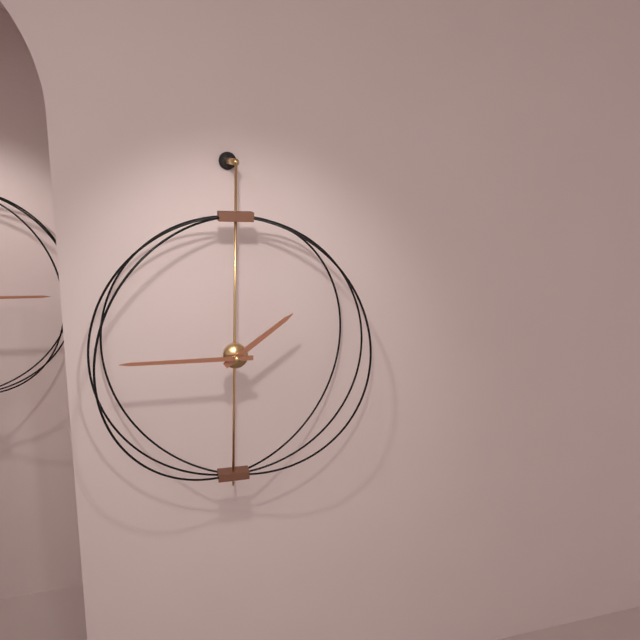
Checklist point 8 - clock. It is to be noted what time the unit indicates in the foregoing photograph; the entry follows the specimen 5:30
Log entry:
1:45
